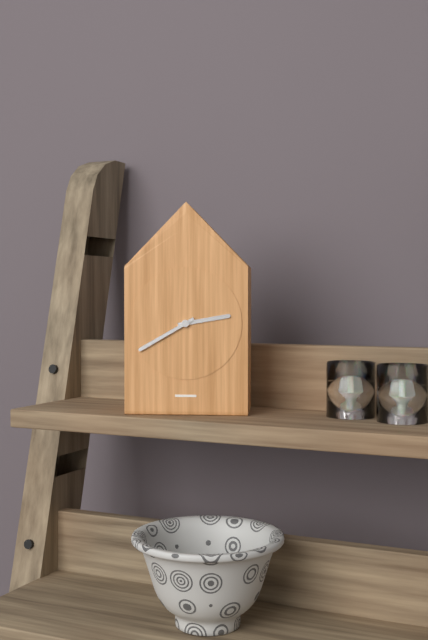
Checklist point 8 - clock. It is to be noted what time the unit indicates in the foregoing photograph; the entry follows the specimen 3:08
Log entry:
2:40
